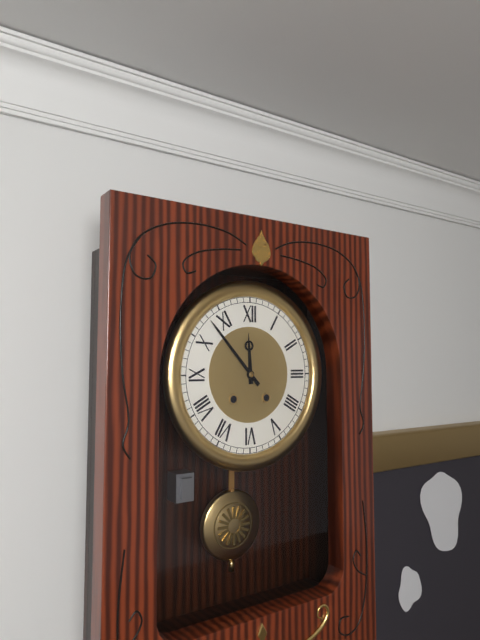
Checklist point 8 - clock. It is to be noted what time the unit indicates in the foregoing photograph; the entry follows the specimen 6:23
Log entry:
11:53
